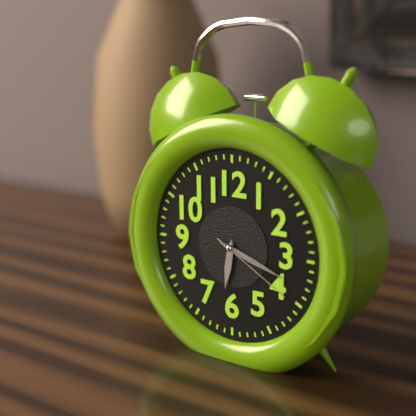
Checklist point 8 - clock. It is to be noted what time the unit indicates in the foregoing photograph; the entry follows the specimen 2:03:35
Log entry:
6:18:20
